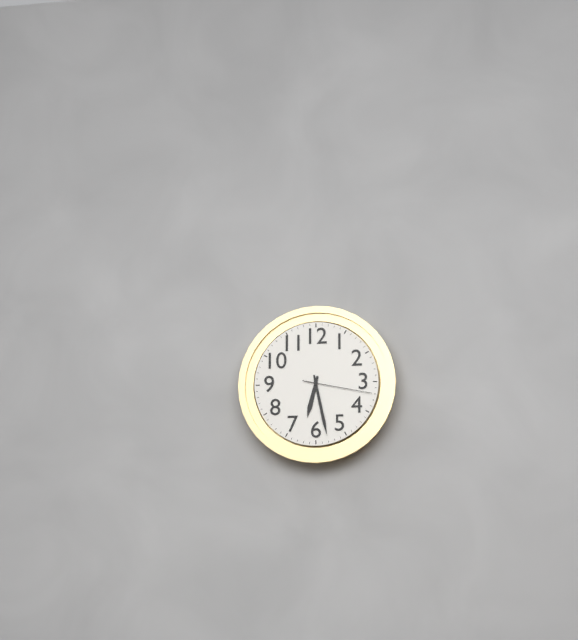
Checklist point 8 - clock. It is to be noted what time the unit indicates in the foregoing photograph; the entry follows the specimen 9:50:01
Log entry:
6:28:17
